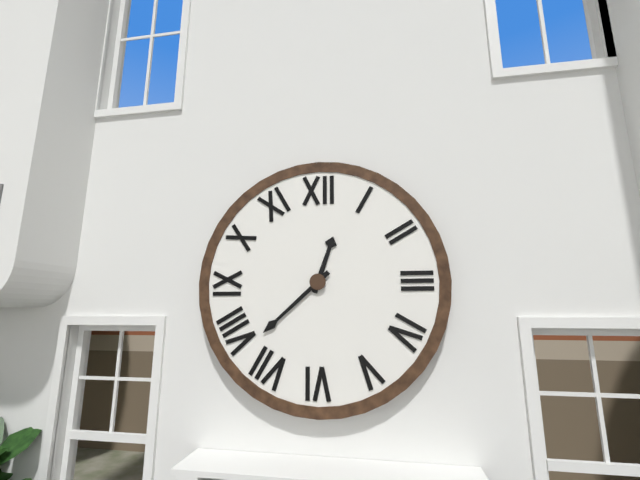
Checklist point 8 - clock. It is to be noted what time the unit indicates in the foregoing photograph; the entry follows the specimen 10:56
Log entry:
12:38
